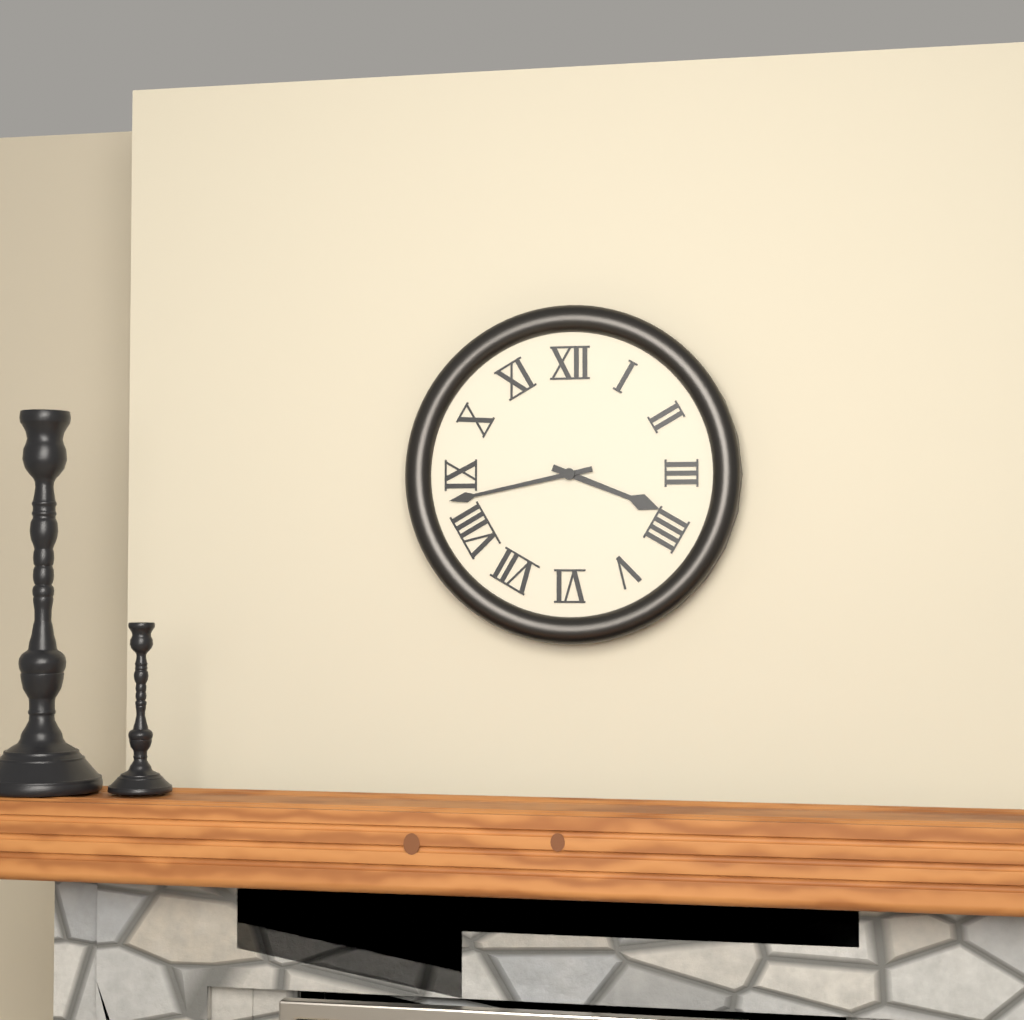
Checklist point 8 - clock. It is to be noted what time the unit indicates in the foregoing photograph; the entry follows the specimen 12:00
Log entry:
3:43
